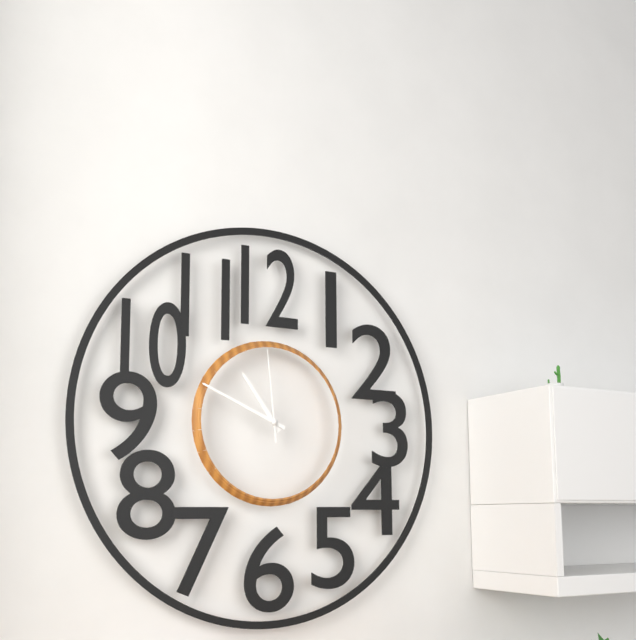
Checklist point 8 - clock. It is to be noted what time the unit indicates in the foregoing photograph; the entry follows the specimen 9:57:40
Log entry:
10:49:59
